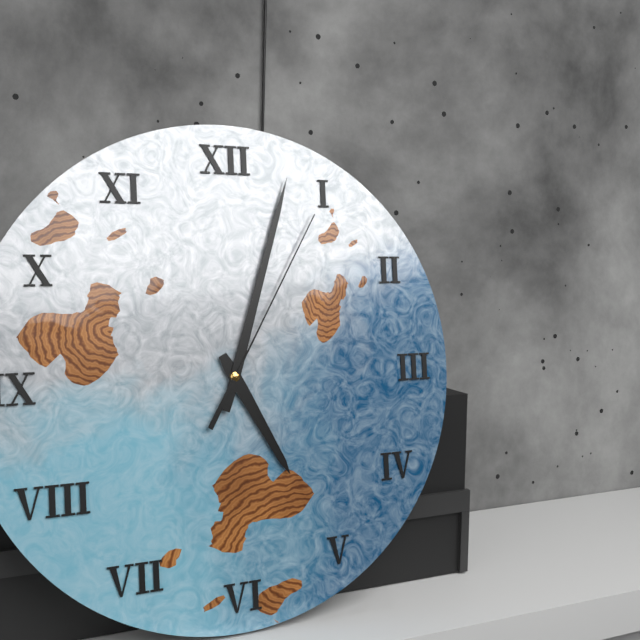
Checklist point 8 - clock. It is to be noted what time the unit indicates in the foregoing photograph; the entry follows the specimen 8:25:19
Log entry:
5:03:05
